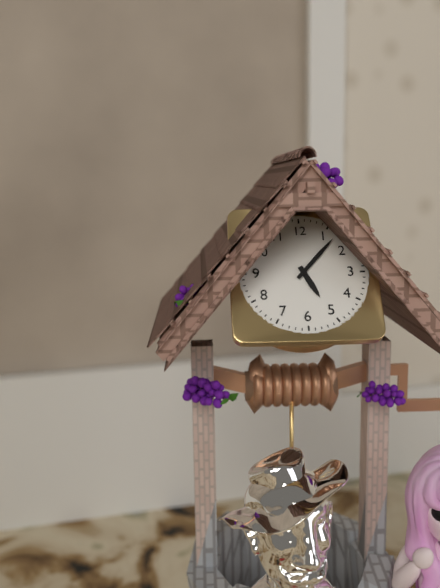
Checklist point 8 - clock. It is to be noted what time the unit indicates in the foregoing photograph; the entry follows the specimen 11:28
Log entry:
5:07
